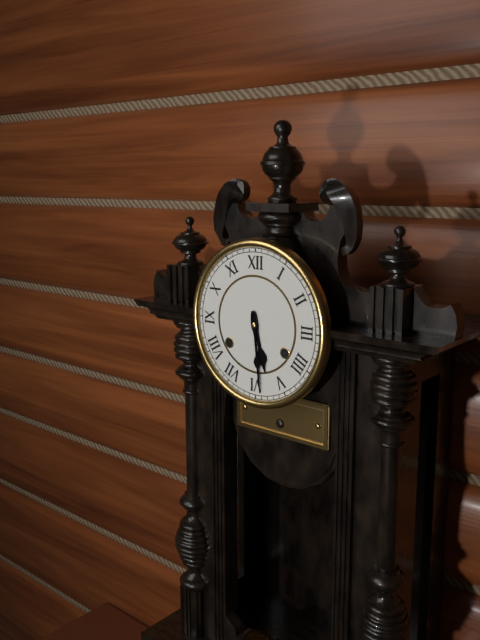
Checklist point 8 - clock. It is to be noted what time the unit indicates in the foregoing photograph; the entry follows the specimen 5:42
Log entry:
5:29
